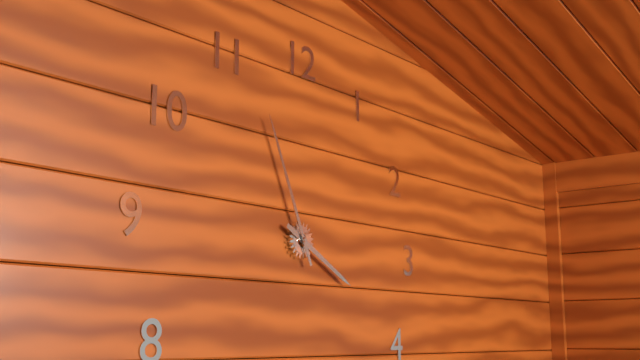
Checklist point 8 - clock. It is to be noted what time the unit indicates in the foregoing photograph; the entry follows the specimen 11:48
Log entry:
3:56
